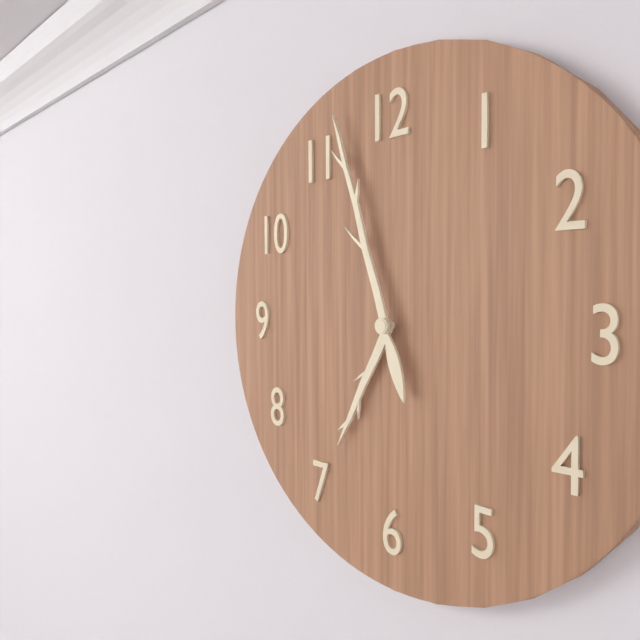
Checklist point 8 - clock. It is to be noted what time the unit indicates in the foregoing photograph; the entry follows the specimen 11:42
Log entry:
6:57
